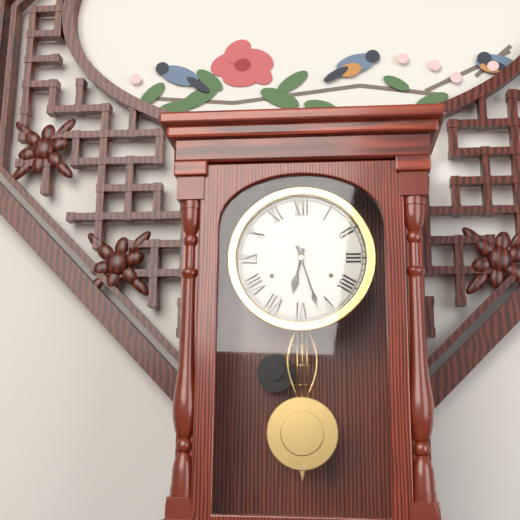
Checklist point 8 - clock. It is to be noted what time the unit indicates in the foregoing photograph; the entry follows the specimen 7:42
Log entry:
6:27
